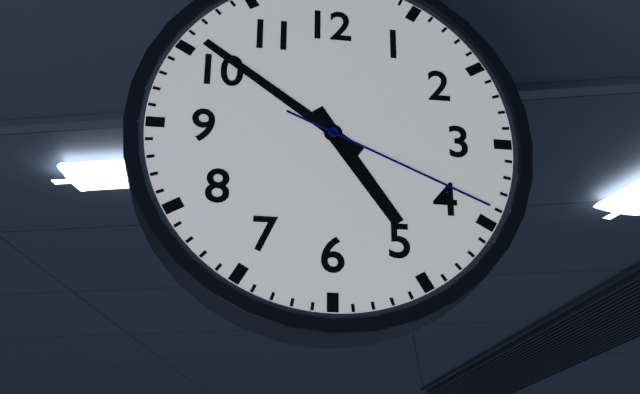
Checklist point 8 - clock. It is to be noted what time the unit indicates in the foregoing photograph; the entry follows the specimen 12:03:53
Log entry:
4:51:19
